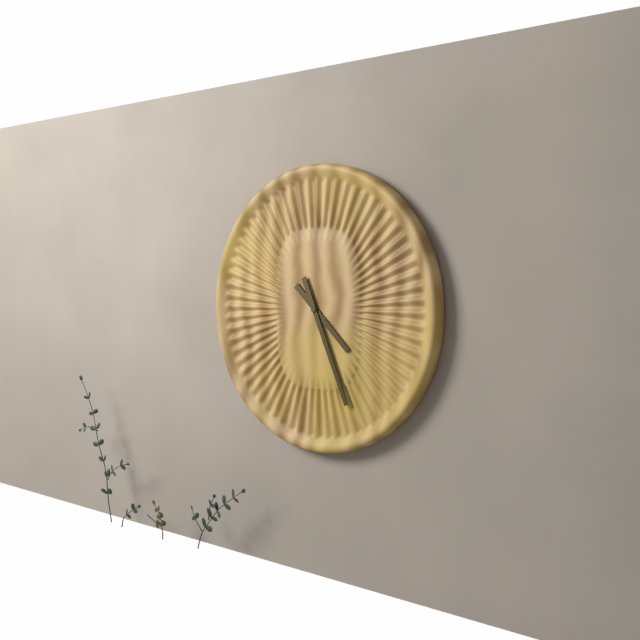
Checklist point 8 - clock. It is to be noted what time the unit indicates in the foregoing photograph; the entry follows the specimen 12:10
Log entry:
4:26
